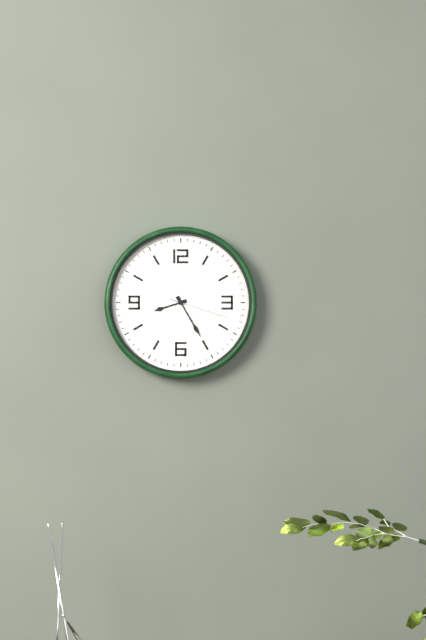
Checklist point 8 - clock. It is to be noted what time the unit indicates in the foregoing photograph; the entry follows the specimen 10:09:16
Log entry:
8:25:18
